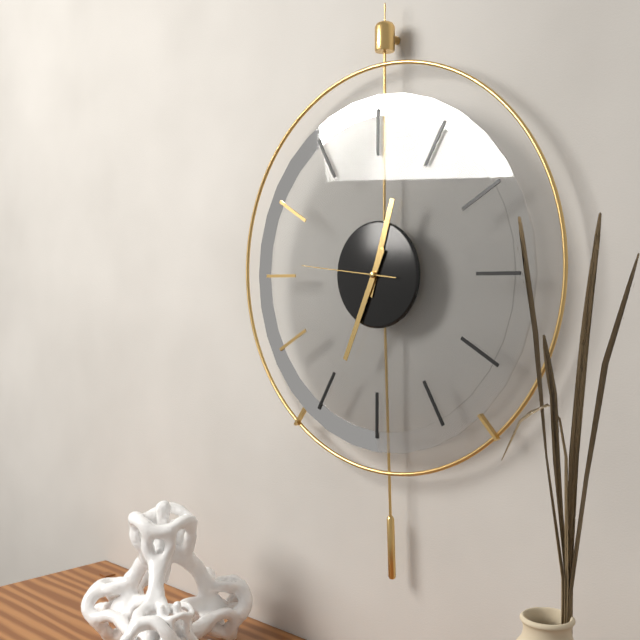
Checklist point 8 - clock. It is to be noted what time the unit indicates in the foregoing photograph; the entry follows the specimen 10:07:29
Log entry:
12:34:46
